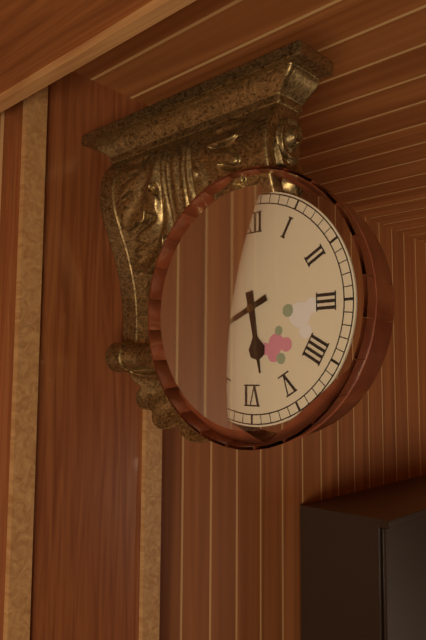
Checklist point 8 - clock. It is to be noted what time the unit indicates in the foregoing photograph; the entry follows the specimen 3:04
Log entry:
5:41
